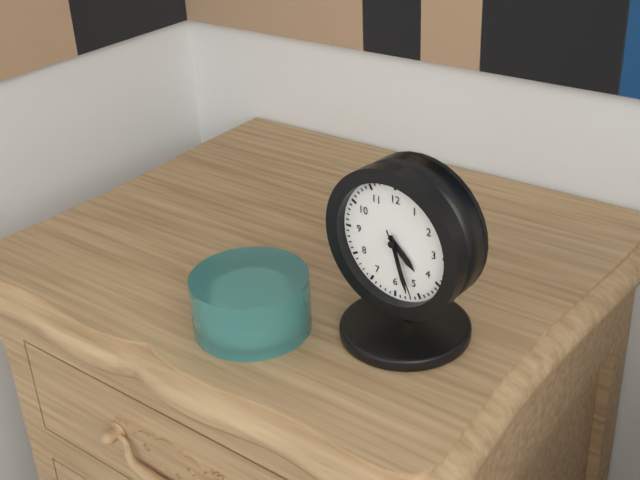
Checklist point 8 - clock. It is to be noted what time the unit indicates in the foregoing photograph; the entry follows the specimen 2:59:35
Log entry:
4:27:26
